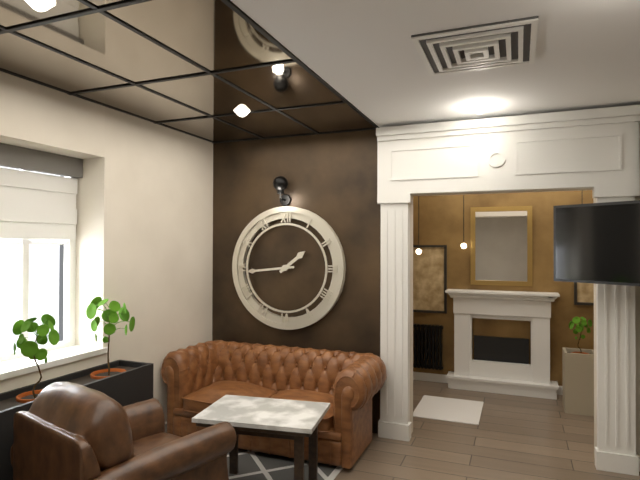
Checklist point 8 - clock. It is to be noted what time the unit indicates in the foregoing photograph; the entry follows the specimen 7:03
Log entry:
1:44
